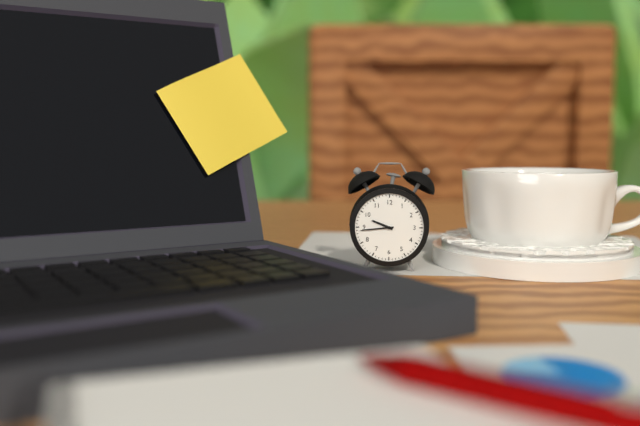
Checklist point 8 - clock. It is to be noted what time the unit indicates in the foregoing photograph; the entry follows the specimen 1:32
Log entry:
9:44
